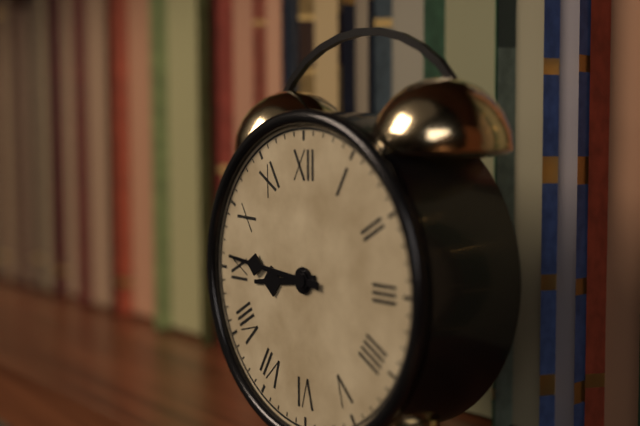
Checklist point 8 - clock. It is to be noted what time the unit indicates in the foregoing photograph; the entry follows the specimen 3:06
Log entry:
8:46
